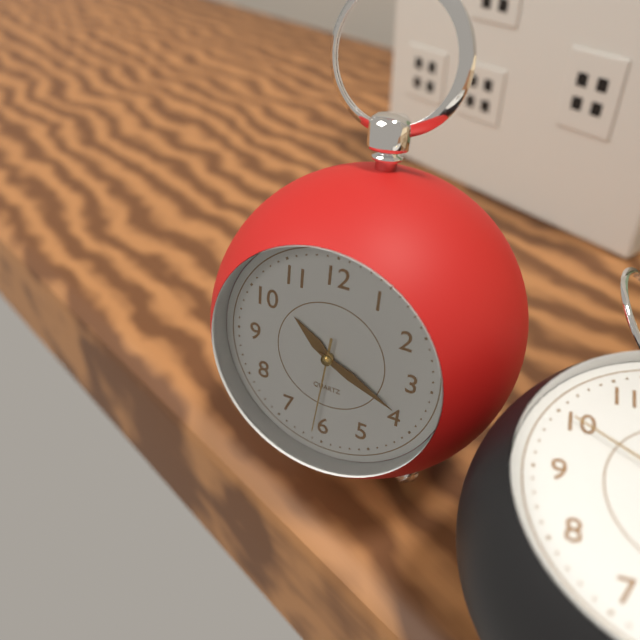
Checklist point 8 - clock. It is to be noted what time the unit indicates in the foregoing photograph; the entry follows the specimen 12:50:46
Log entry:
10:19:31
